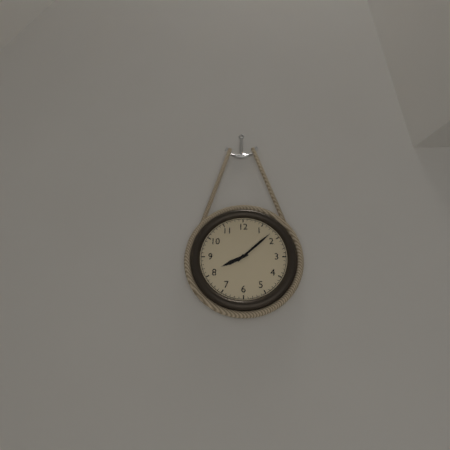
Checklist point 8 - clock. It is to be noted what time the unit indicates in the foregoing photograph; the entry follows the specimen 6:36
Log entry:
8:08
